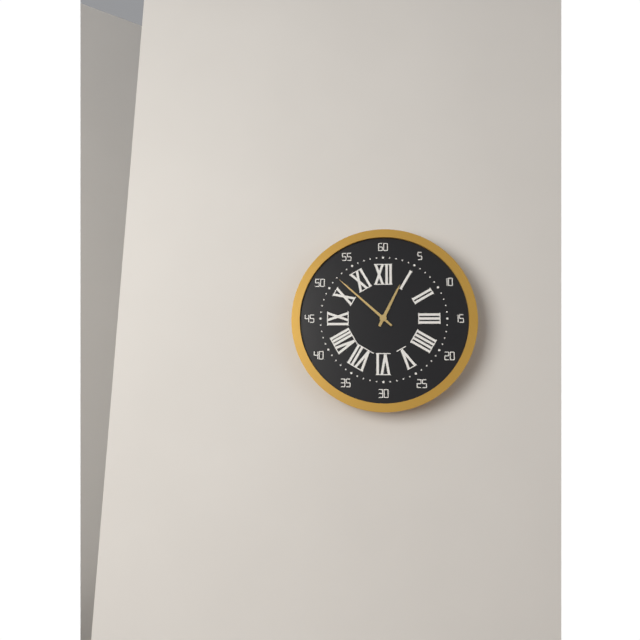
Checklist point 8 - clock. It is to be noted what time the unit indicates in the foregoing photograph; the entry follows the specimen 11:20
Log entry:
12:52
